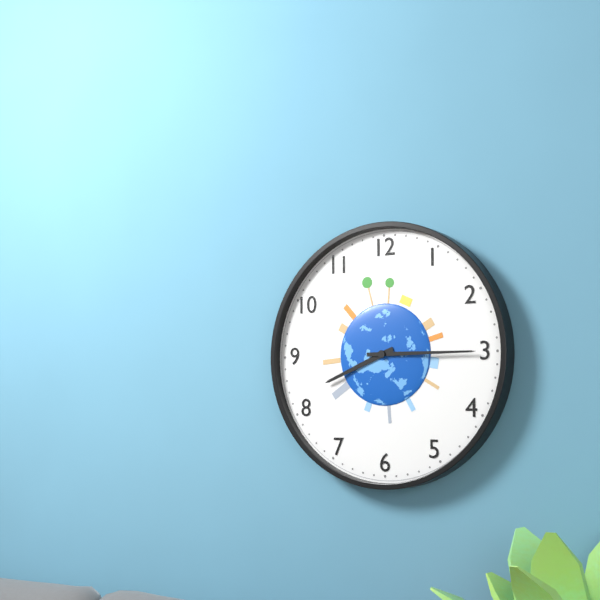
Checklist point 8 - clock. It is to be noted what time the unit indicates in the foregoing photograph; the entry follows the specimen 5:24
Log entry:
8:15
